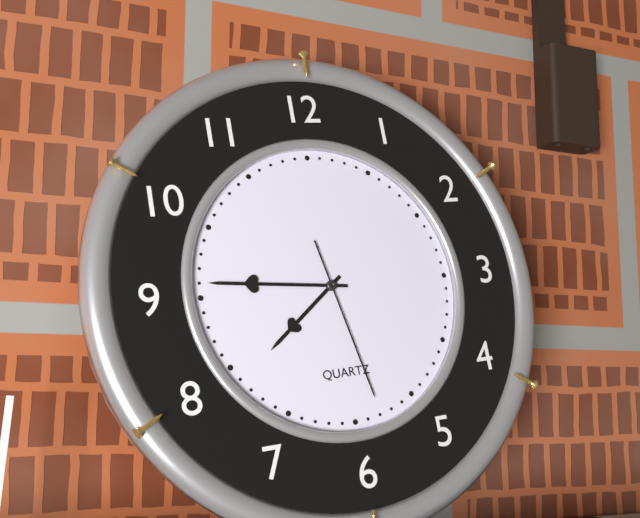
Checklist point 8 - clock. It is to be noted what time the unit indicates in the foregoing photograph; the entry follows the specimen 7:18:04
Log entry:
7:46:28
